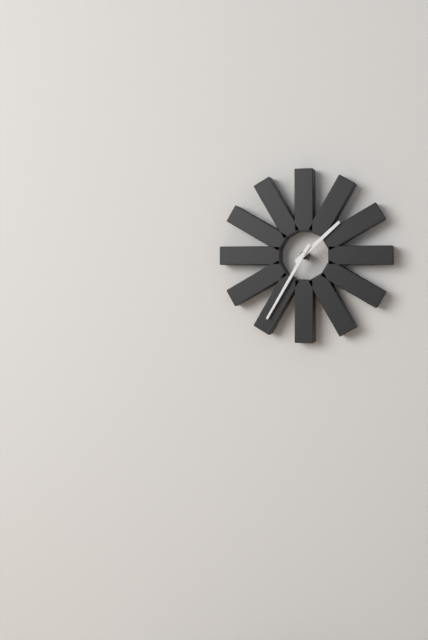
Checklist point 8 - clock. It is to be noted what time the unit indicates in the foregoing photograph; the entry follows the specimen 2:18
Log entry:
1:35
